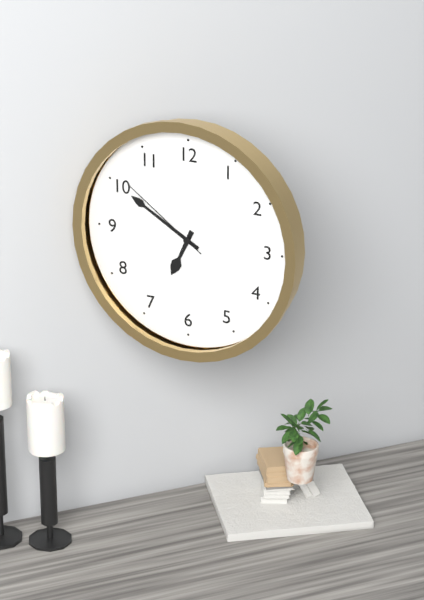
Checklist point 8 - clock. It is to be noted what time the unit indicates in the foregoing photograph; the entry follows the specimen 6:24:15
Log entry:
6:50:51
